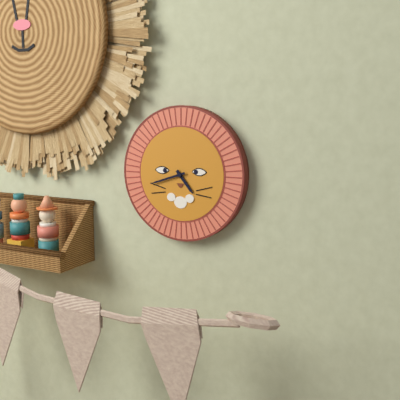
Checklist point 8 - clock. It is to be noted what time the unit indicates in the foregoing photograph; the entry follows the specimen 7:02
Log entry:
4:42
